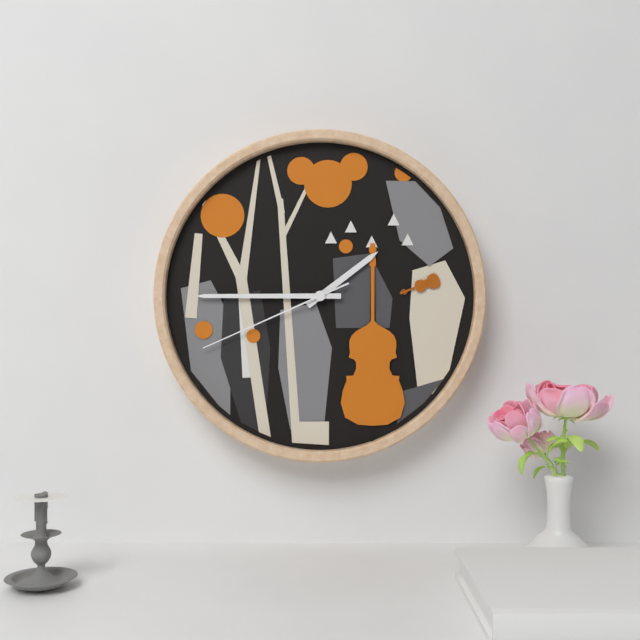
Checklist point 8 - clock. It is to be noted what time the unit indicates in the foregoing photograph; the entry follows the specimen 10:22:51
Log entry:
1:45:41
